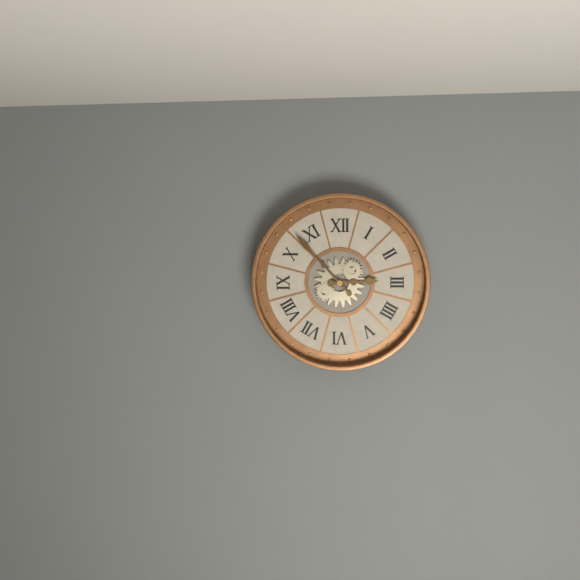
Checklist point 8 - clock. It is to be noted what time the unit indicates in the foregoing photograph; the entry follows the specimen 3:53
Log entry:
2:53
